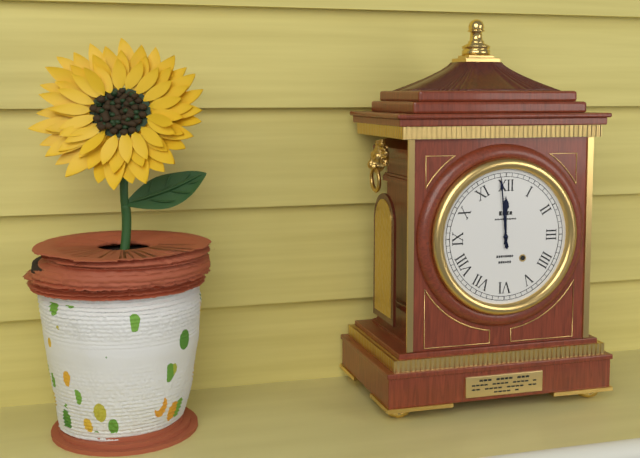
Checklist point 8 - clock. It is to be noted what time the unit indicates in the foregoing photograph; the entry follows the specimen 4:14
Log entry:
11:59
